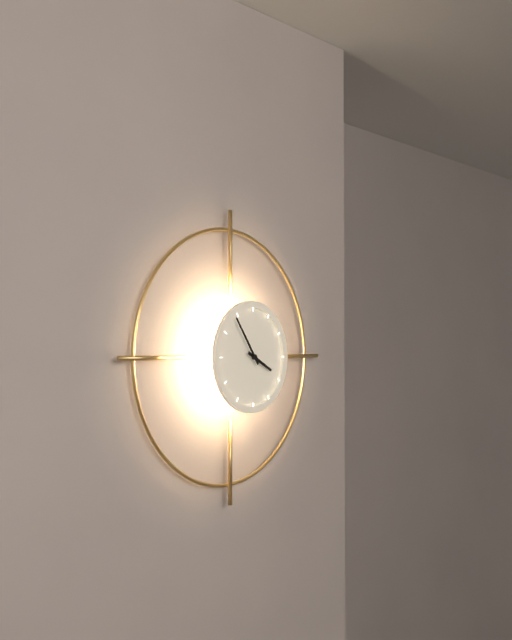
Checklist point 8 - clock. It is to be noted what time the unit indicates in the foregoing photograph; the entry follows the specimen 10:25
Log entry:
3:54
